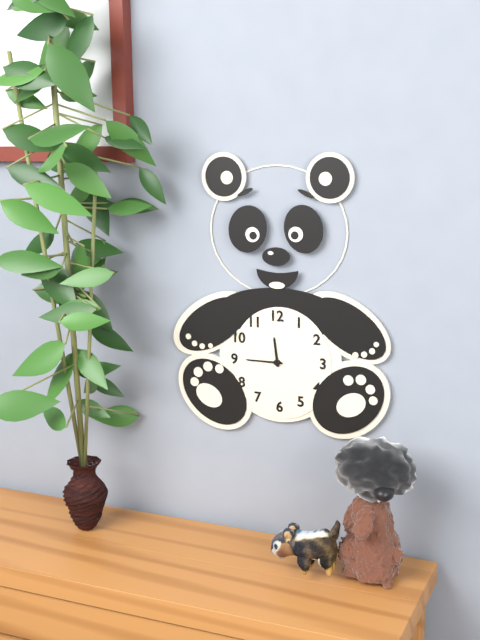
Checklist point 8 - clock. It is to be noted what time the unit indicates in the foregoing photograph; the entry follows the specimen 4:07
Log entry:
11:45
